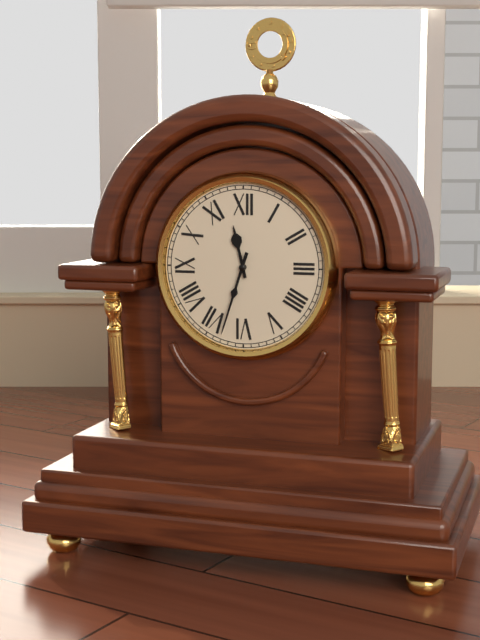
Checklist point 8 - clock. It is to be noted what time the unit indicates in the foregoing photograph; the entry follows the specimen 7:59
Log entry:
11:33
